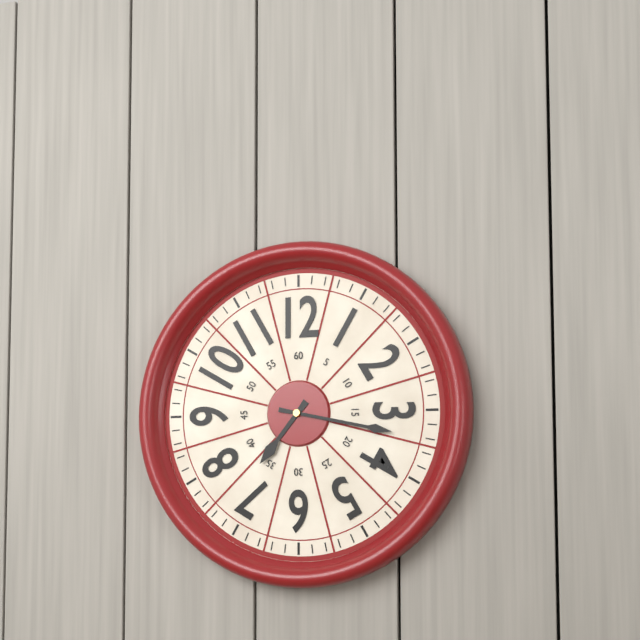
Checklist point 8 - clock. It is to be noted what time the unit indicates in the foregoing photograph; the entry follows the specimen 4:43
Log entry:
7:17
